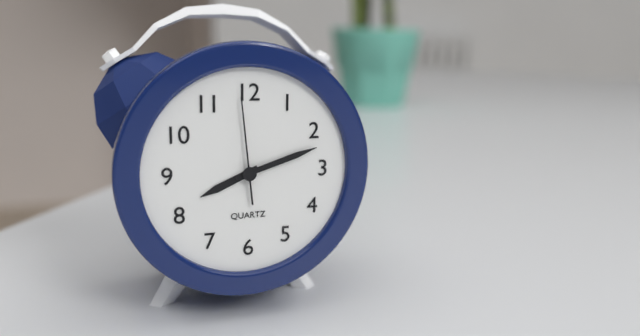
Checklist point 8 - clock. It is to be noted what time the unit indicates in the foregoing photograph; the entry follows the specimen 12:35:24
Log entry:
8:12:59
